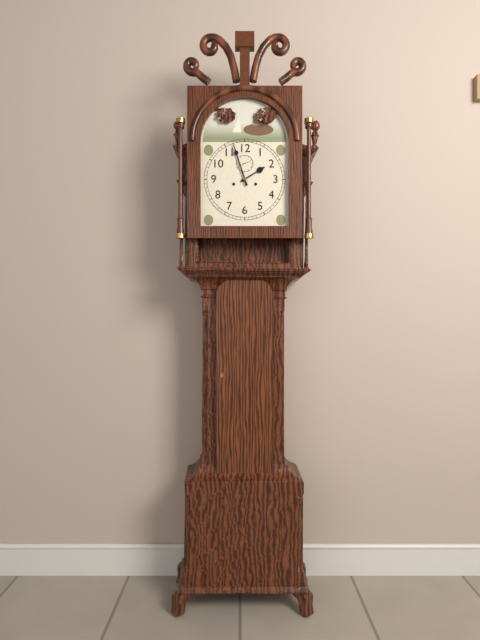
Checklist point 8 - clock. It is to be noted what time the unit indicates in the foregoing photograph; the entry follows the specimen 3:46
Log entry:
1:57
